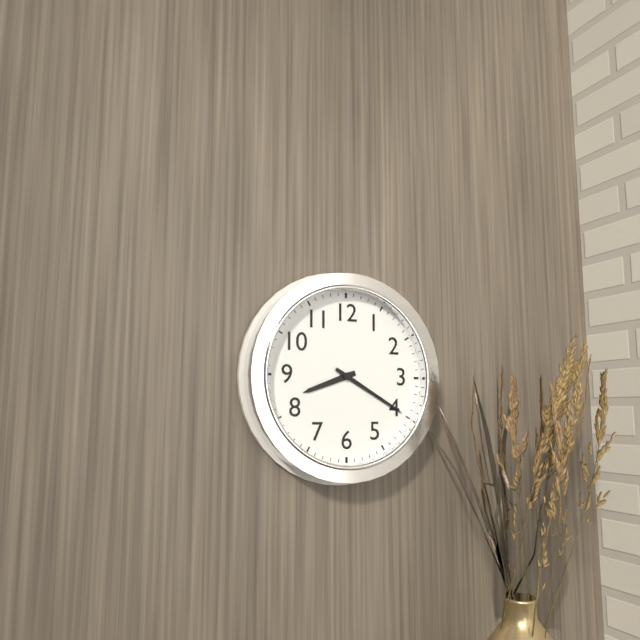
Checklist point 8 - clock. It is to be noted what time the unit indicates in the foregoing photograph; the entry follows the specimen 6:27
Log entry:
8:20
